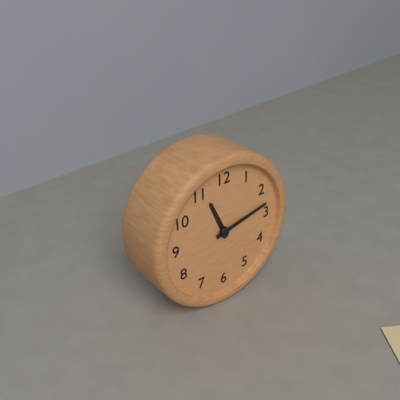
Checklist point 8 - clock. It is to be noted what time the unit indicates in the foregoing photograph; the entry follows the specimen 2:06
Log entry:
11:13
